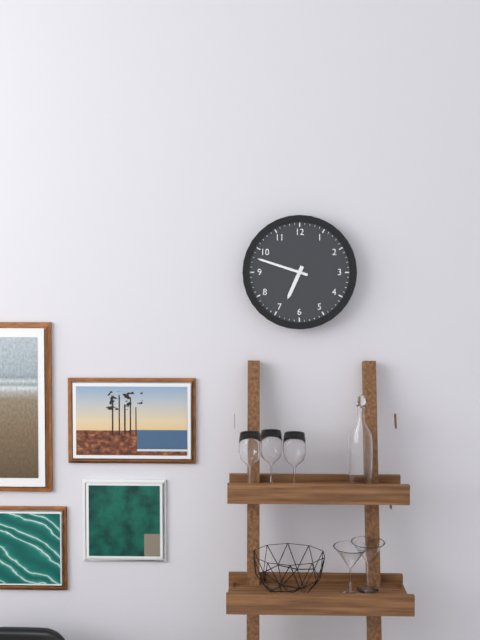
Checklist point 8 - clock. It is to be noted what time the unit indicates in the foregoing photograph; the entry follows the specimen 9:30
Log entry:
6:48
